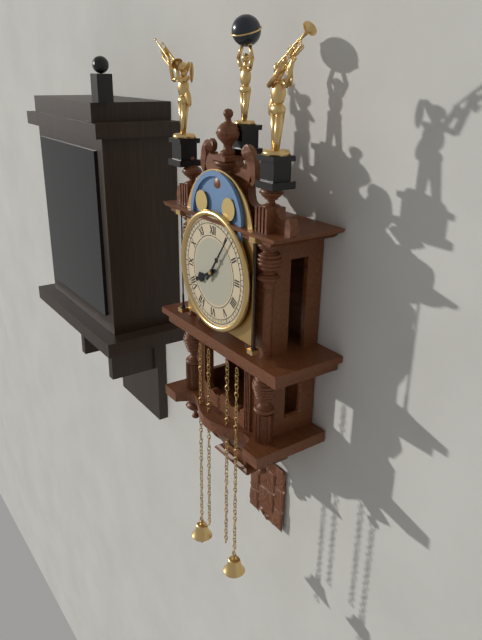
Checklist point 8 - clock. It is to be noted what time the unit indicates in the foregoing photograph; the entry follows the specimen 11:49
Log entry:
8:06
